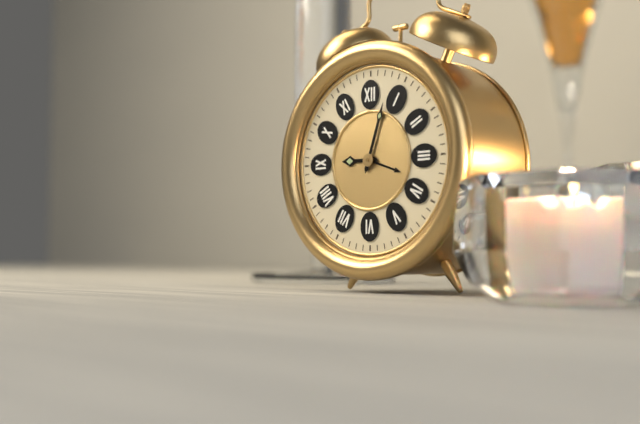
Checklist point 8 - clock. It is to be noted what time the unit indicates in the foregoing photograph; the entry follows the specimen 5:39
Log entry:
9:03
